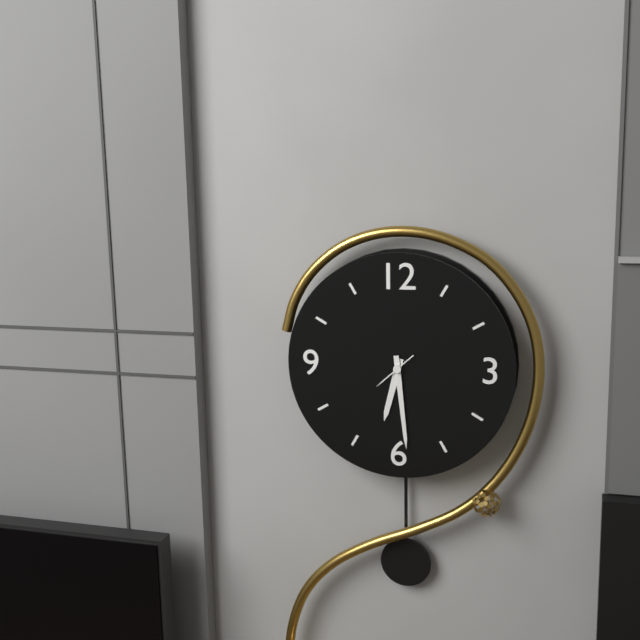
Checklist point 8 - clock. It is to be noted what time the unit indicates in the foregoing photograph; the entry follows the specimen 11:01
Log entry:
6:29
